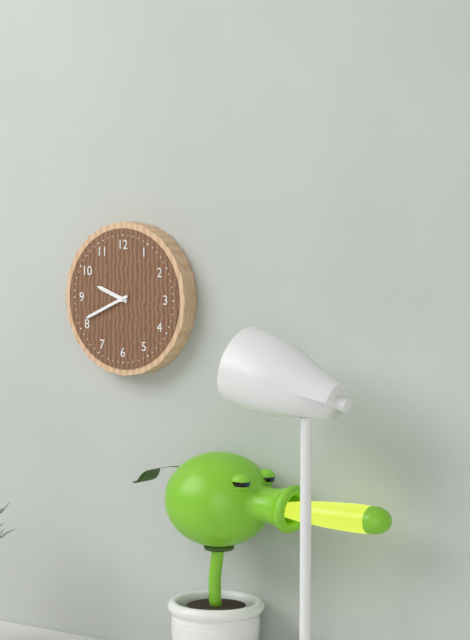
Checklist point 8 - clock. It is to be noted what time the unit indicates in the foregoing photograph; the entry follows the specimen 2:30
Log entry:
9:41
